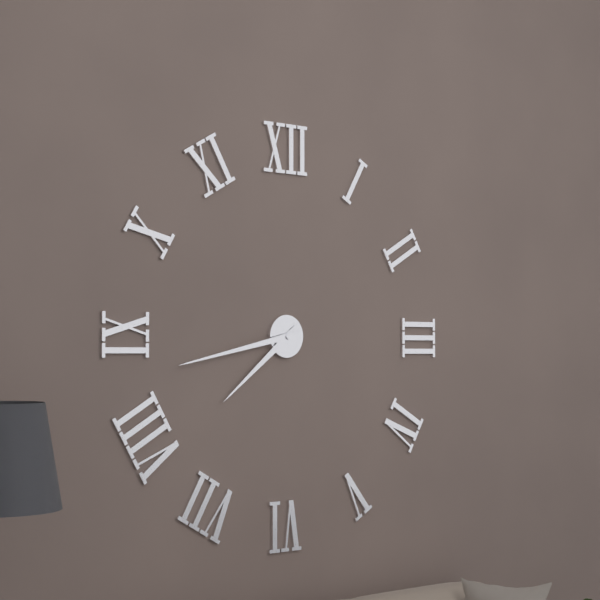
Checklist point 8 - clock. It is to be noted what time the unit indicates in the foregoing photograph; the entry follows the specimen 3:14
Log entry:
7:43
